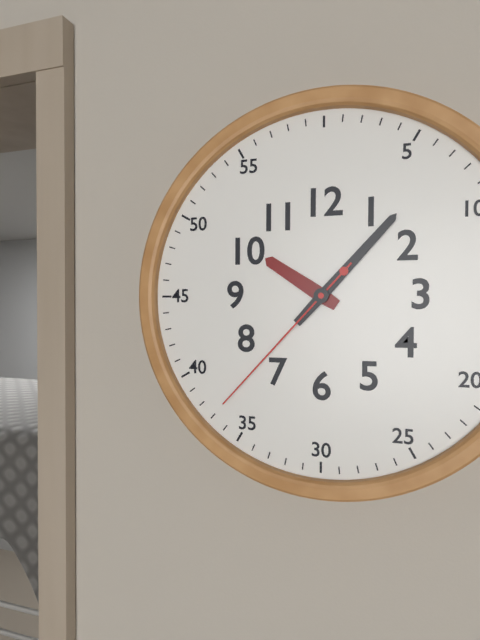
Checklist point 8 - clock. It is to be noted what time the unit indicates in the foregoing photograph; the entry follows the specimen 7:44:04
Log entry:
10:07:37
